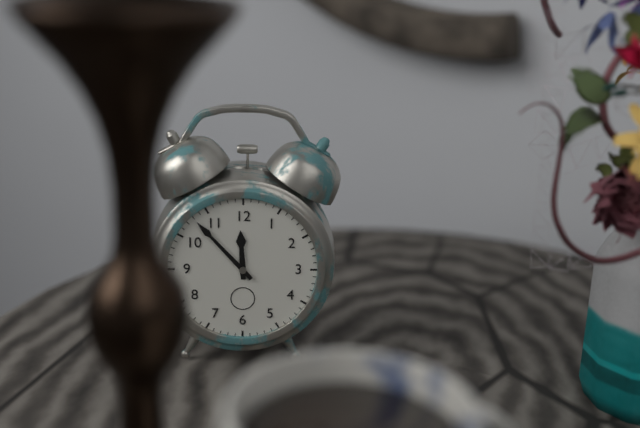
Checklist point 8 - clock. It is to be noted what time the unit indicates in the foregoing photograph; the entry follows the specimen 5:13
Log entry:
11:53
